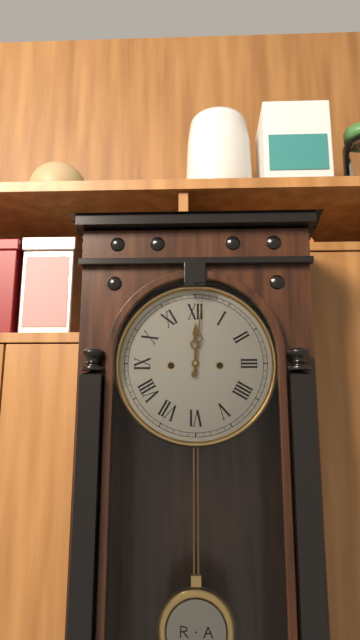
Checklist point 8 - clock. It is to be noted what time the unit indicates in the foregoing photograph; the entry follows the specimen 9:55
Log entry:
12:01
